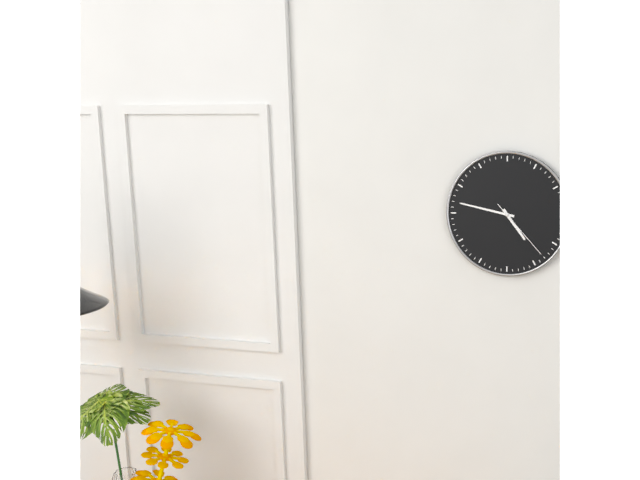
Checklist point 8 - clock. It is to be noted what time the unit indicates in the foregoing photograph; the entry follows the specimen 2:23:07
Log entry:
4:47:23
